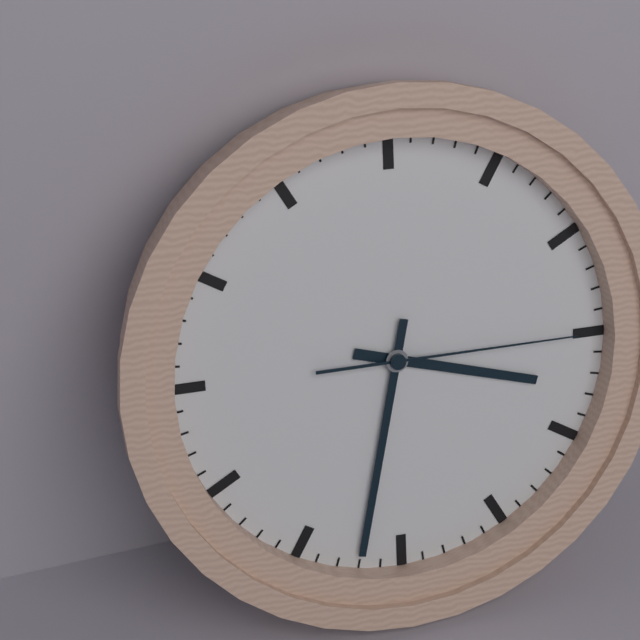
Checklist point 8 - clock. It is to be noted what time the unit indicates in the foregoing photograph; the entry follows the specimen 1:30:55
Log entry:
3:32:15
